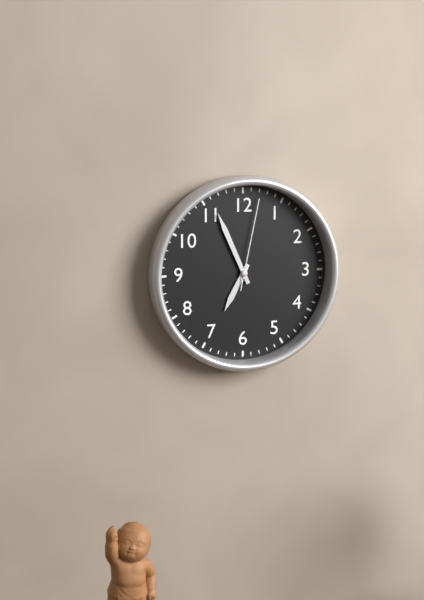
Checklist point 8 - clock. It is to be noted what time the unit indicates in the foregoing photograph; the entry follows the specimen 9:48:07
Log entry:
6:56:02
